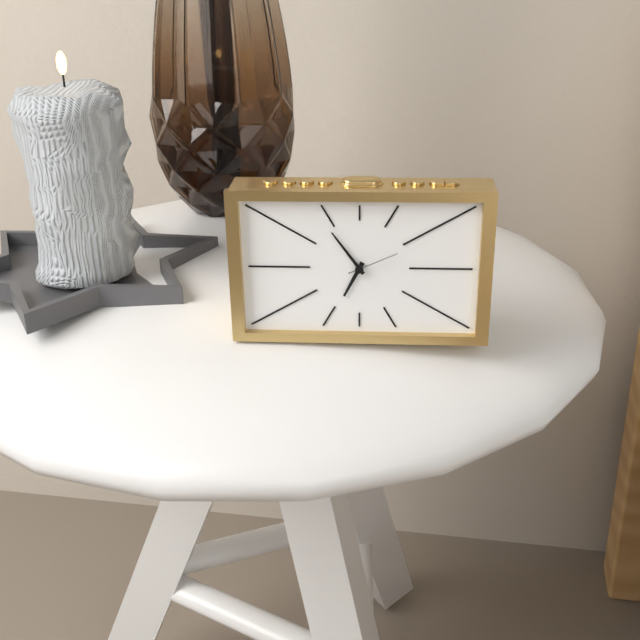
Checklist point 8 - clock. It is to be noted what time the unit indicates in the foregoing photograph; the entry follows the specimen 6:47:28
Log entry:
6:54:11
